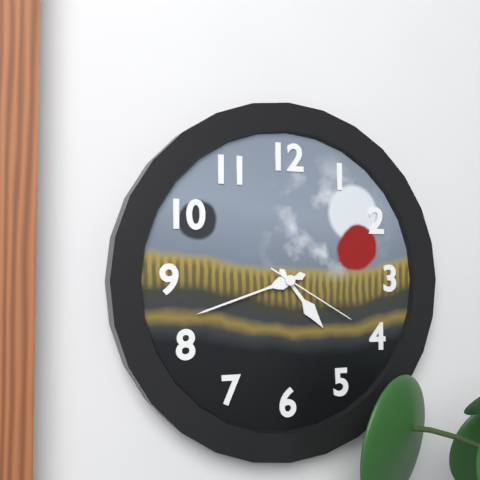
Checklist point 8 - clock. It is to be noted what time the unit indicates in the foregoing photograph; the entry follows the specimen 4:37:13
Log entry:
4:42:20
